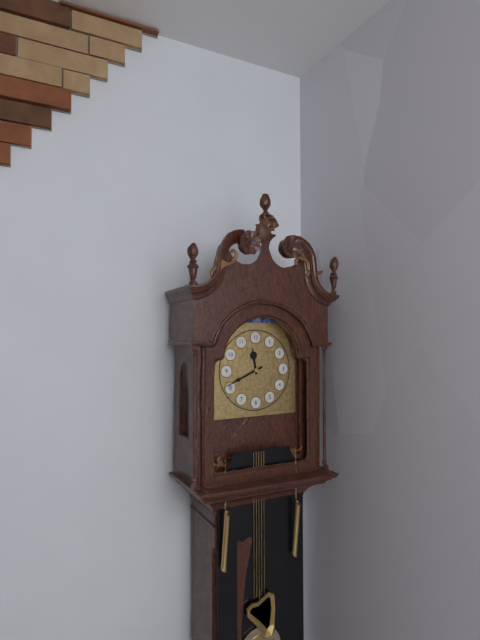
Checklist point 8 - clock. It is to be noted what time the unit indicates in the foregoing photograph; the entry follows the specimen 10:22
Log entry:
11:41
